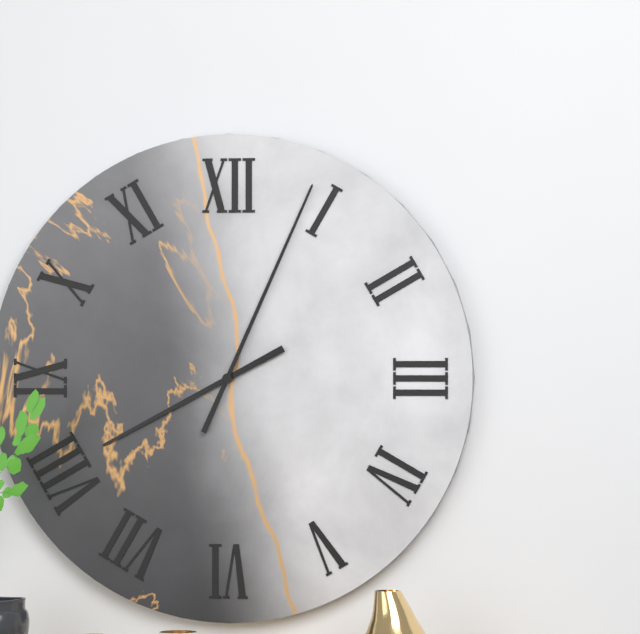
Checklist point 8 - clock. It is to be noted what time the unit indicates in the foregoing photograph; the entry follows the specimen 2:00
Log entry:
8:04
